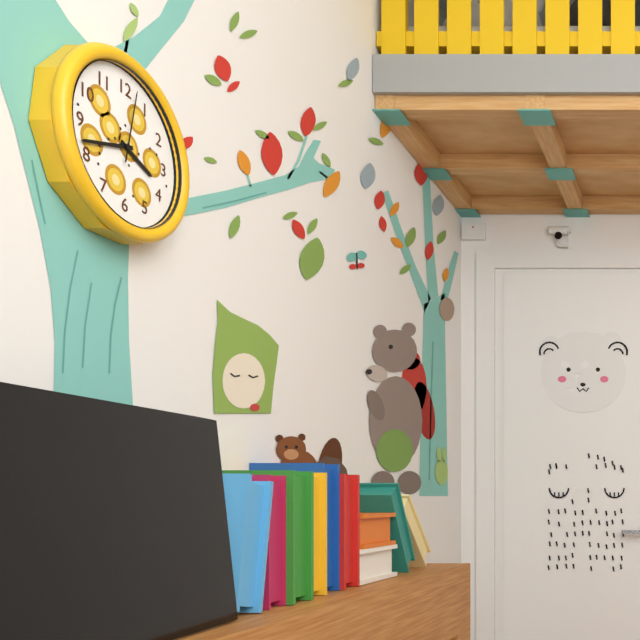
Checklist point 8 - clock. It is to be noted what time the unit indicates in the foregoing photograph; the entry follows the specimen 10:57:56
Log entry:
3:42:02
